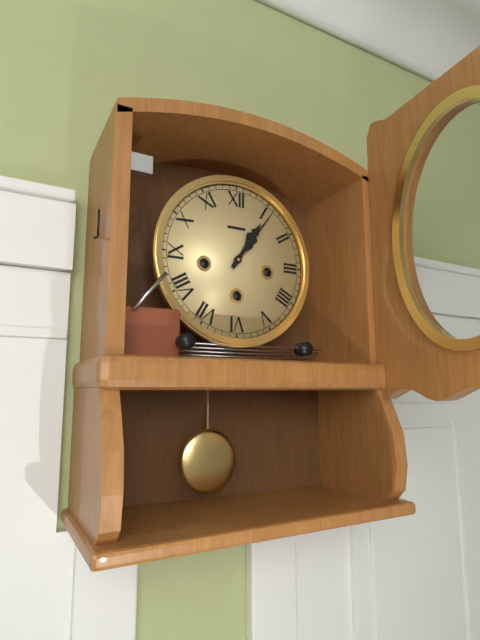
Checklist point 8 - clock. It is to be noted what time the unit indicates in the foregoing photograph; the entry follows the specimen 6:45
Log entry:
1:06
